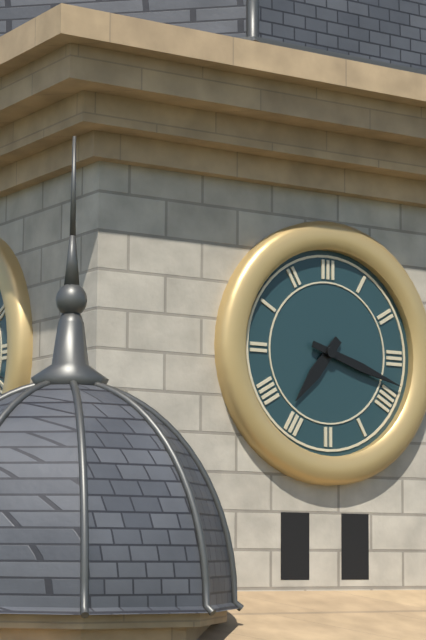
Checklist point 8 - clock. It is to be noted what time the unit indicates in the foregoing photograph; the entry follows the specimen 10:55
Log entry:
7:18
